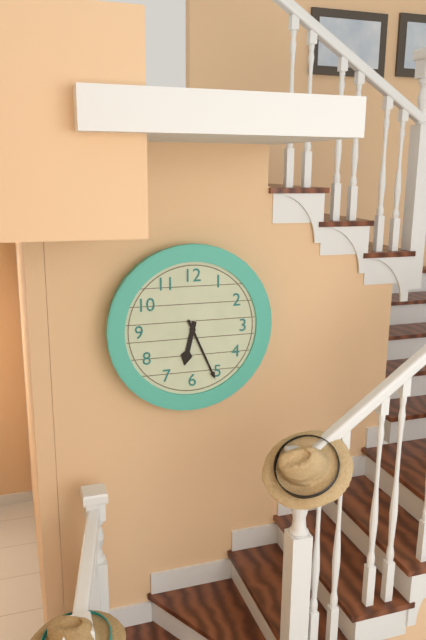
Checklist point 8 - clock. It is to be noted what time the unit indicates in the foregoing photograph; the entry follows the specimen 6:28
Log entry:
6:26
